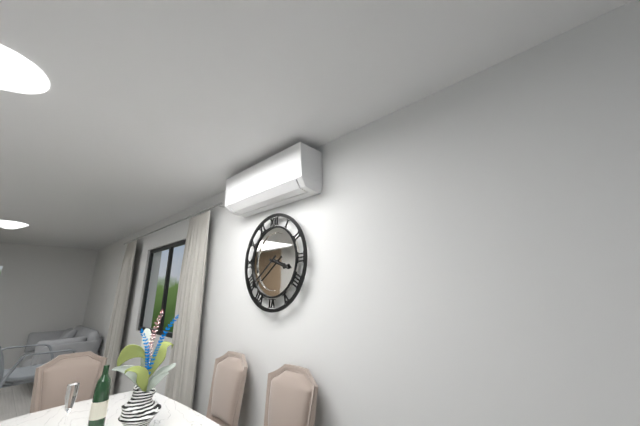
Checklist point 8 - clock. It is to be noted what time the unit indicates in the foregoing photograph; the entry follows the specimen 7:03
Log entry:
3:39
